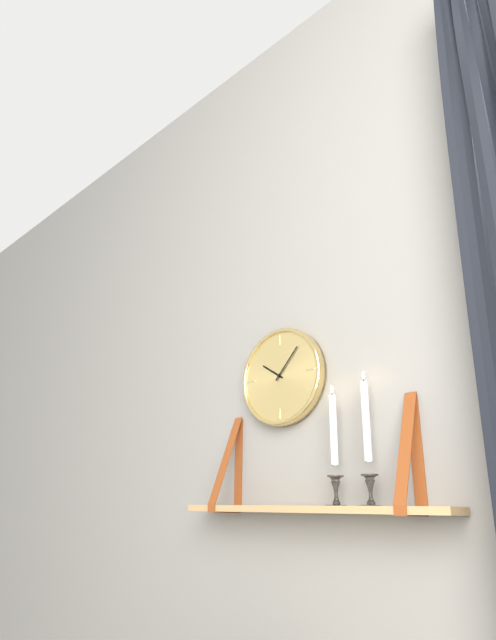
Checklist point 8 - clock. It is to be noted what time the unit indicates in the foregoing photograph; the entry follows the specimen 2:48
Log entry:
10:07
